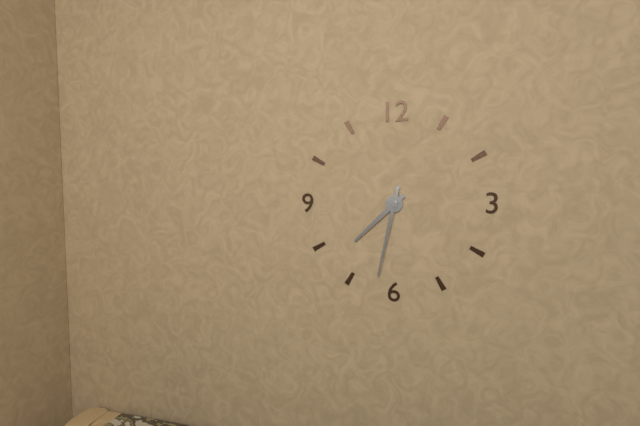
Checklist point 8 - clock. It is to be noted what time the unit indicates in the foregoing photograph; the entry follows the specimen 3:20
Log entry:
7:32
